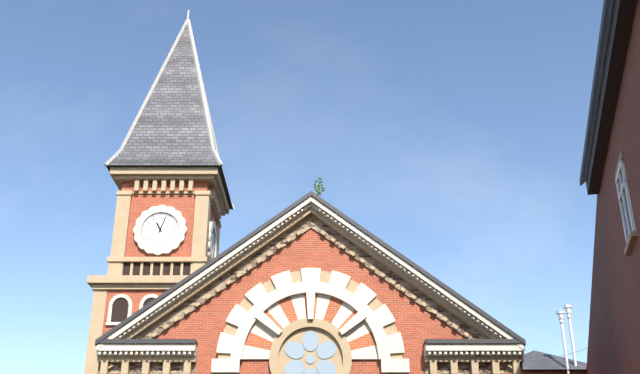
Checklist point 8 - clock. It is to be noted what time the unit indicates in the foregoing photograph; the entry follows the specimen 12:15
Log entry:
11:03
